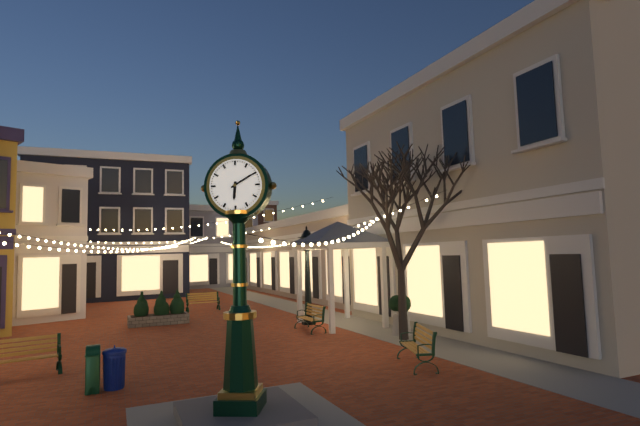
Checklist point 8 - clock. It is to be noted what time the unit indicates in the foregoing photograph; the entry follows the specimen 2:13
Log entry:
6:10
